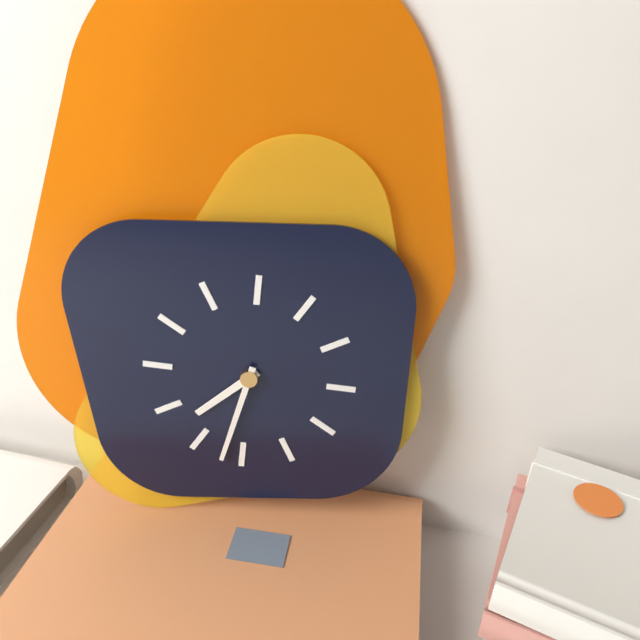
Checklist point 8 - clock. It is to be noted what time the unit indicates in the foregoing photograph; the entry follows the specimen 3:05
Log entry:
7:32
